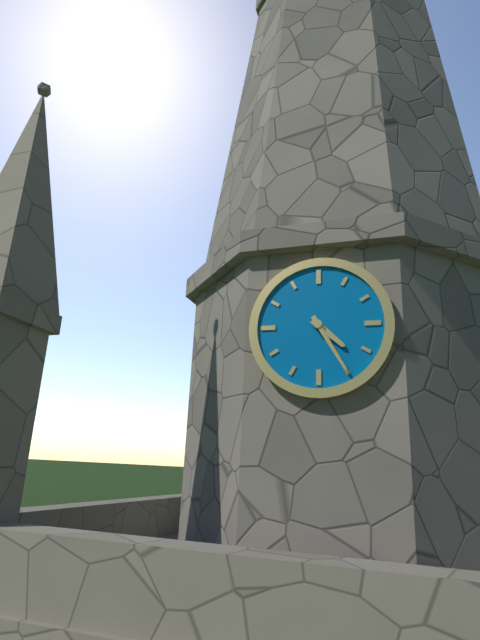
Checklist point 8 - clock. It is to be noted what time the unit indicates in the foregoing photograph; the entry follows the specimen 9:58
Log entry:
4:25
